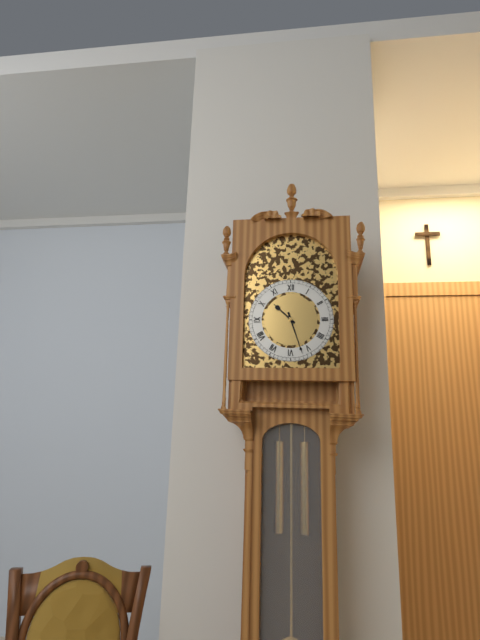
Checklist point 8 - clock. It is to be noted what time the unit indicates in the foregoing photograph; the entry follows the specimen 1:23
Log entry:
10:27
